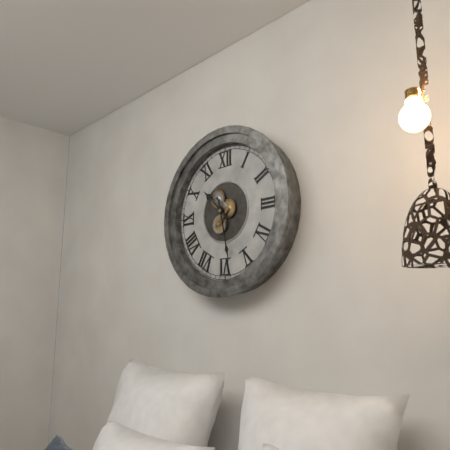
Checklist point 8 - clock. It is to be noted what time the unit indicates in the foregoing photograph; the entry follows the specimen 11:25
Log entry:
10:28
